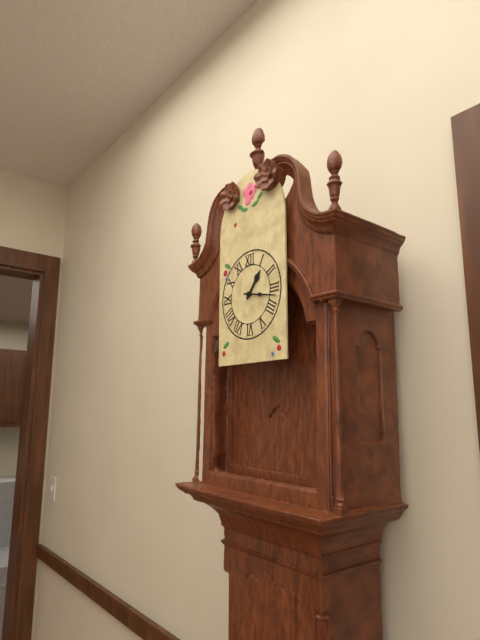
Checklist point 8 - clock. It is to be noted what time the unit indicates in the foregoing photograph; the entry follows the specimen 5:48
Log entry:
1:17
